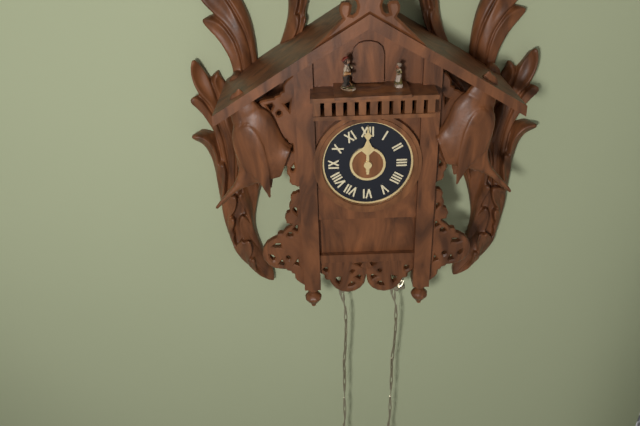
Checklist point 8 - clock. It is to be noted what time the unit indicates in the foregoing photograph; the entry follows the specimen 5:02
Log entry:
12:00
